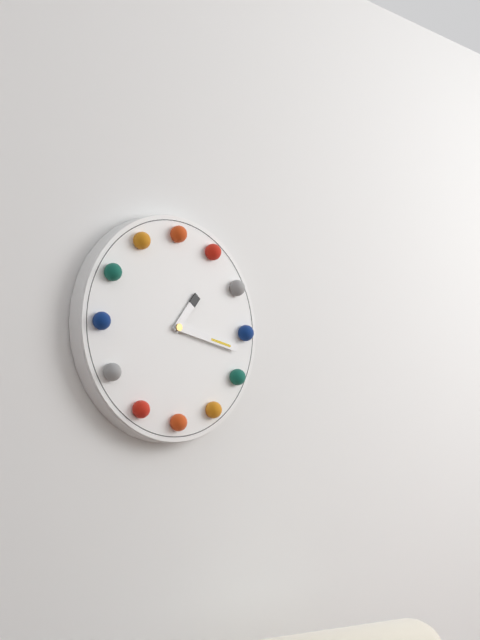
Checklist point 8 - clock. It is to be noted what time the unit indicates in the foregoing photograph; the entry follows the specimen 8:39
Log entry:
1:17
